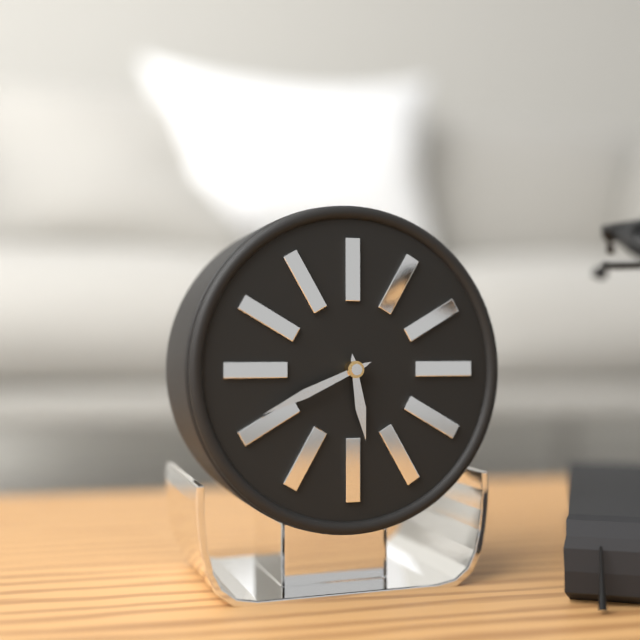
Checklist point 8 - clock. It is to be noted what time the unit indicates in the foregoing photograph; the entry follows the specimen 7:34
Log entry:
5:41
